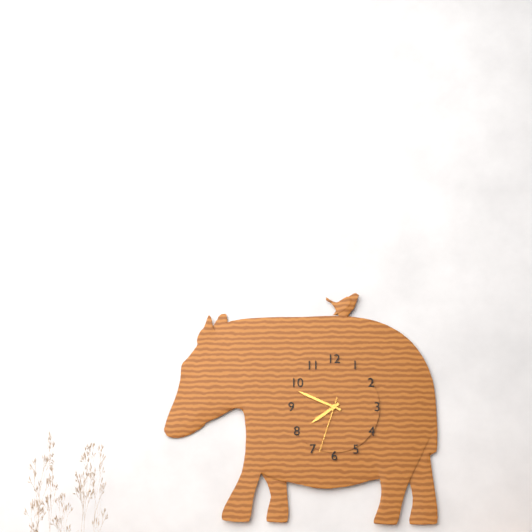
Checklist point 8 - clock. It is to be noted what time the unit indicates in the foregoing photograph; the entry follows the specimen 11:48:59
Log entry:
7:49:33
